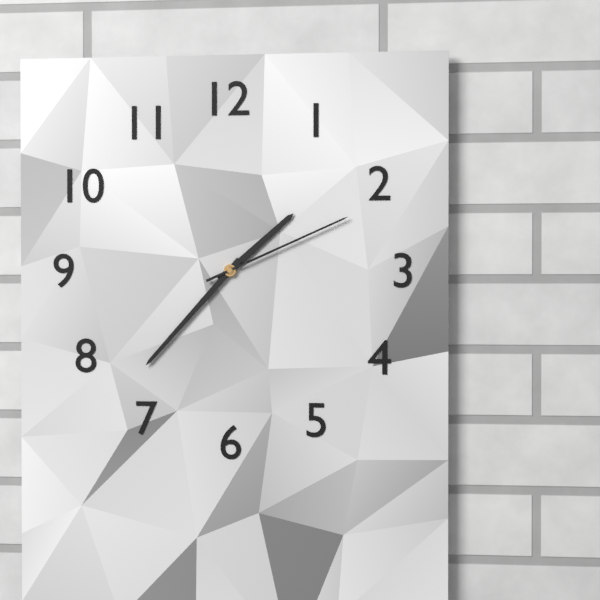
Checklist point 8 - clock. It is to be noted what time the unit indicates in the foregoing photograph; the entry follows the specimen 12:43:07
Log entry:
1:37:11
